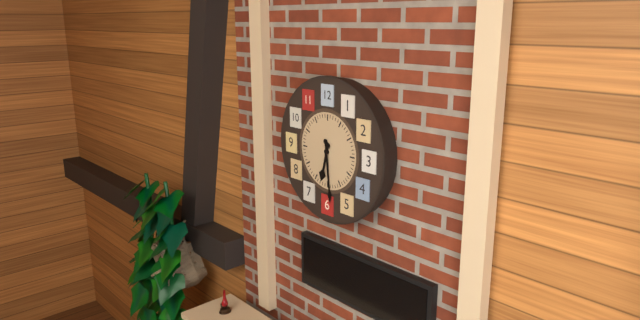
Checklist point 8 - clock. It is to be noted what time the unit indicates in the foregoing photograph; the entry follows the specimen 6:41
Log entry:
6:29
